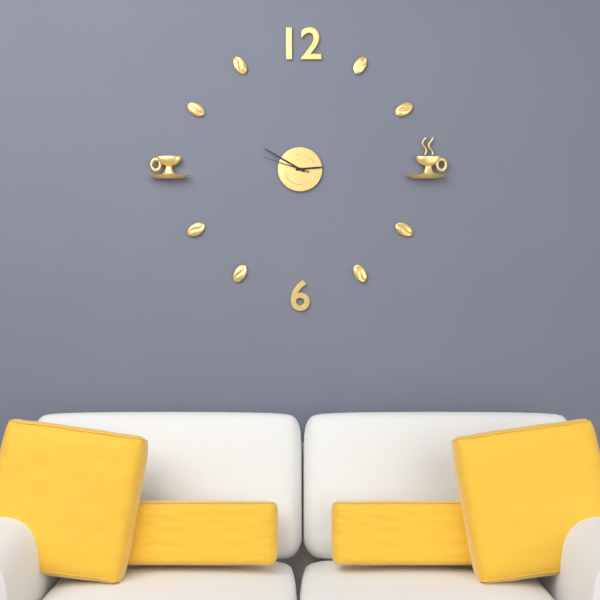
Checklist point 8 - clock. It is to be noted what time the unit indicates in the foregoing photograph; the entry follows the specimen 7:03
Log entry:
2:50
